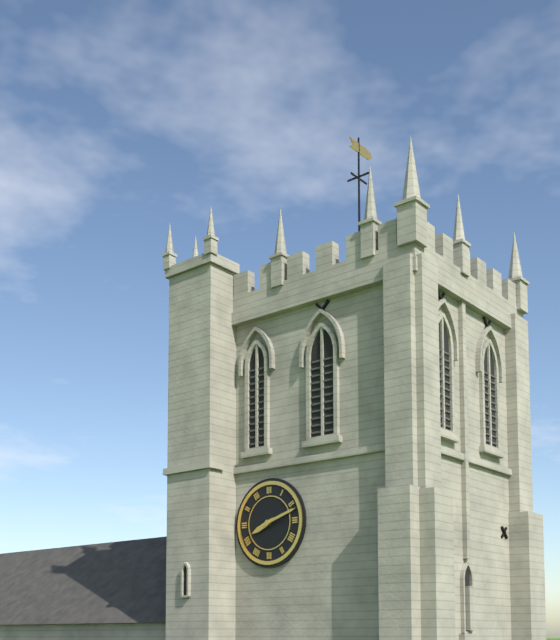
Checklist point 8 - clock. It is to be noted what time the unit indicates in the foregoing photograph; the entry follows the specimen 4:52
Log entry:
8:12
